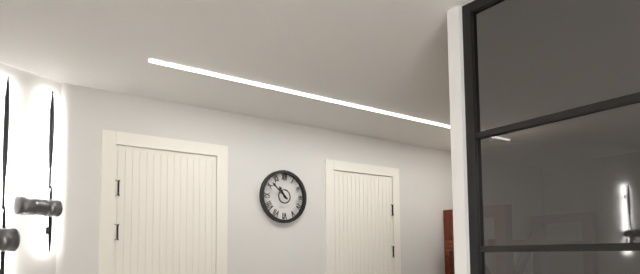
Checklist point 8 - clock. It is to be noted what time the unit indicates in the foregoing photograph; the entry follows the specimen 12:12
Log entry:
10:52
